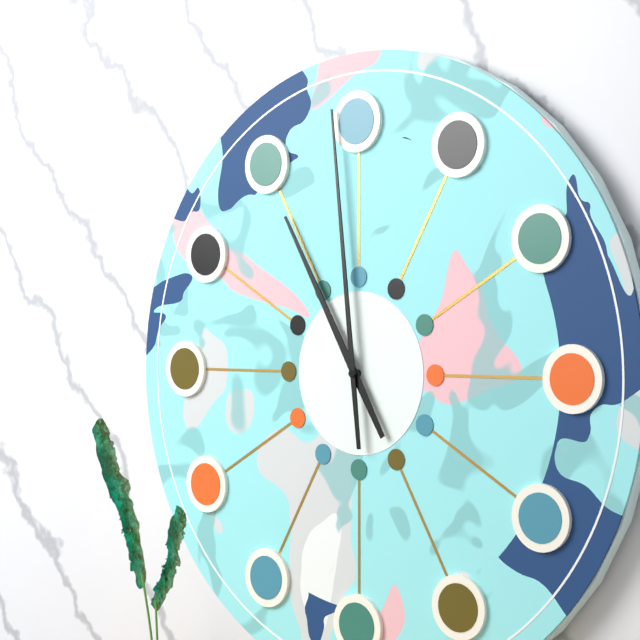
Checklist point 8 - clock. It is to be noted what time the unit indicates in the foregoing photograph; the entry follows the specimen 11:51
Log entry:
10:59
